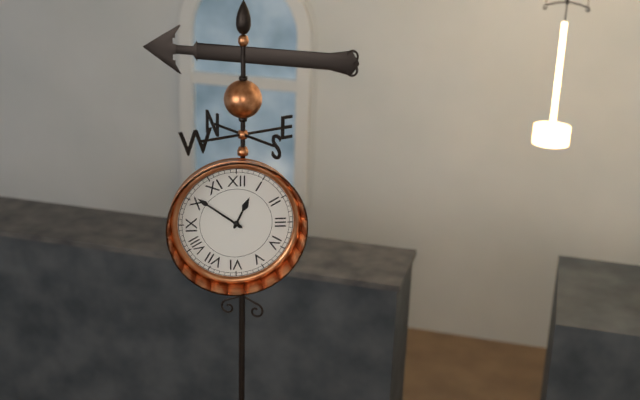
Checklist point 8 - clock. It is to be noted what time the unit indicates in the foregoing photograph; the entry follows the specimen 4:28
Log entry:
12:51
